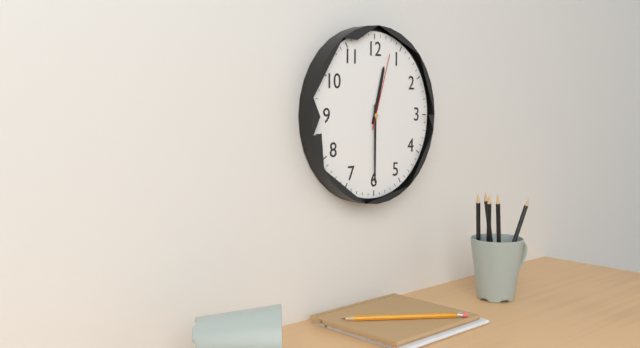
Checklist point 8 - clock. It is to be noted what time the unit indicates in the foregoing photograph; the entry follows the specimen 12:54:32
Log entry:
12:30:03
